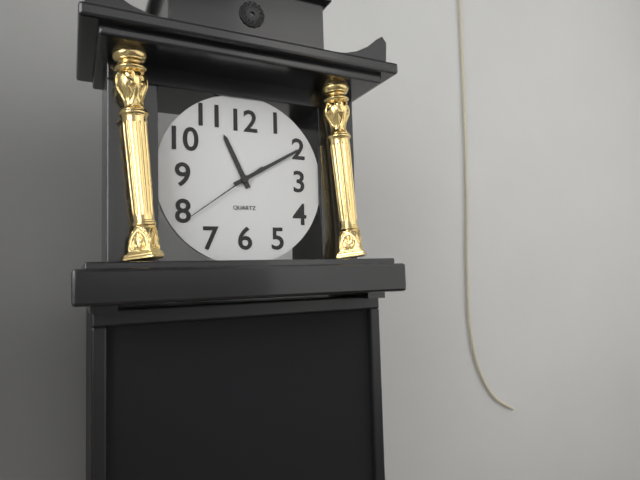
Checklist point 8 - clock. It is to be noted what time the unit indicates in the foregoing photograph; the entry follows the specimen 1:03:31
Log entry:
11:10:39
